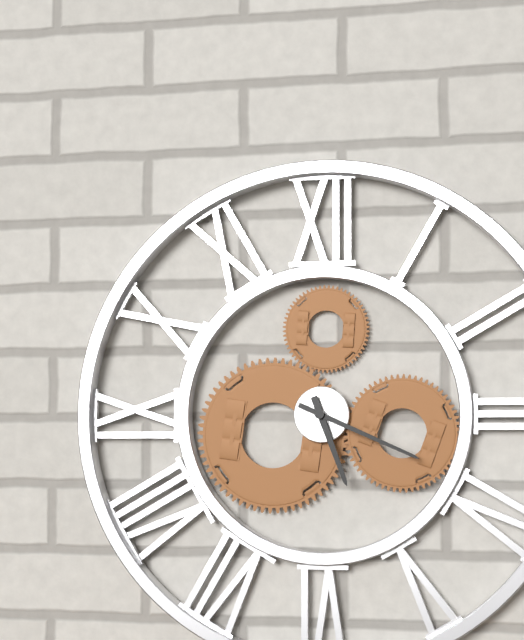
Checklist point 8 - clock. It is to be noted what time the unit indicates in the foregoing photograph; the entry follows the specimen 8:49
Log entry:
5:19
